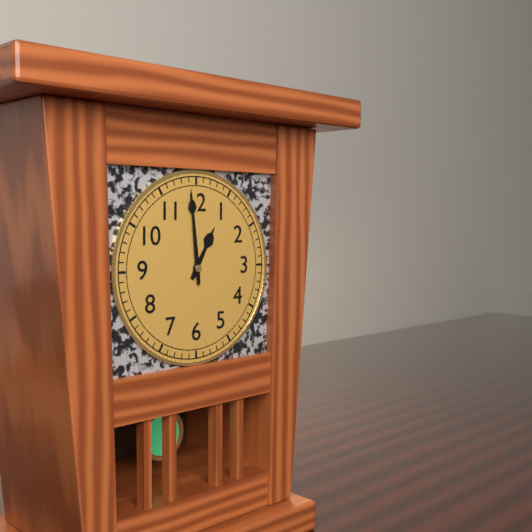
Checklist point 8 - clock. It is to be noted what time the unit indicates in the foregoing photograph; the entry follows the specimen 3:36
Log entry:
12:59
